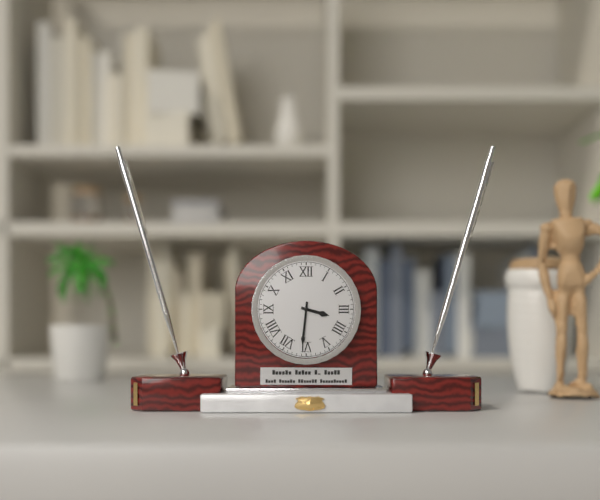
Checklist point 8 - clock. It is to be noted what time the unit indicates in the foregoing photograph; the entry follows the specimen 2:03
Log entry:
3:31
